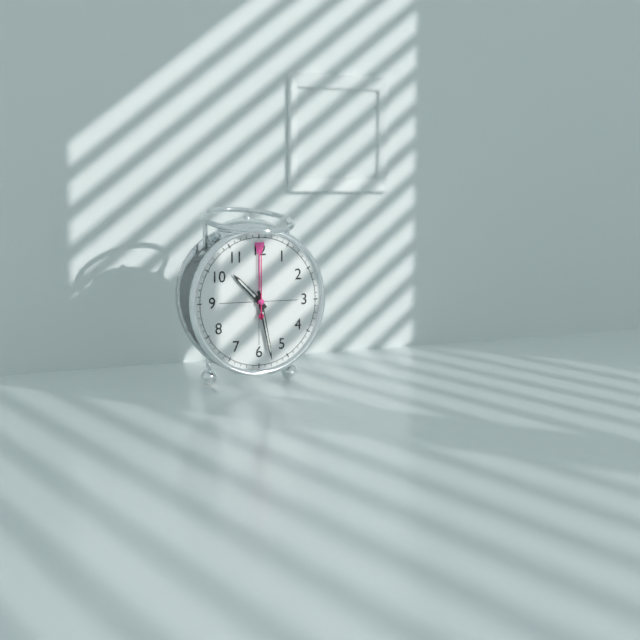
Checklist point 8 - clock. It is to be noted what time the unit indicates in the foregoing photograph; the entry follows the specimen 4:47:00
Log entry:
10:28:00
